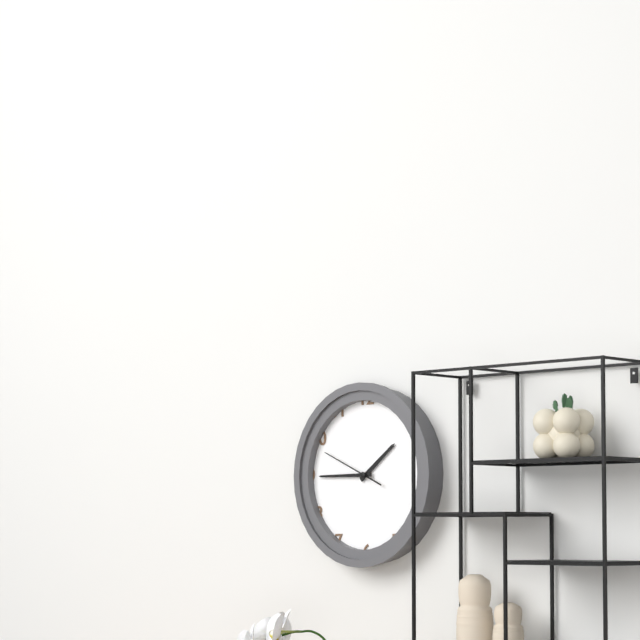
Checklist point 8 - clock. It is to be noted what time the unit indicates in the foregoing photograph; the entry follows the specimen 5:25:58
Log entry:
1:45:49
